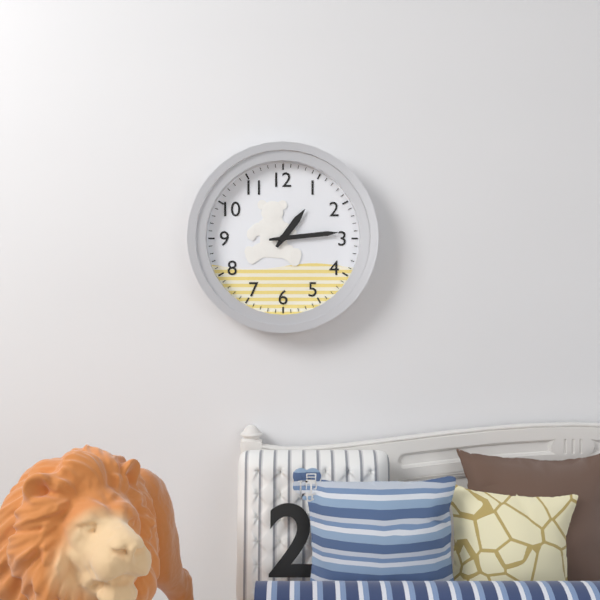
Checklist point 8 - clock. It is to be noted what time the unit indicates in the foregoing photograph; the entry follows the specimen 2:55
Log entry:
1:14
